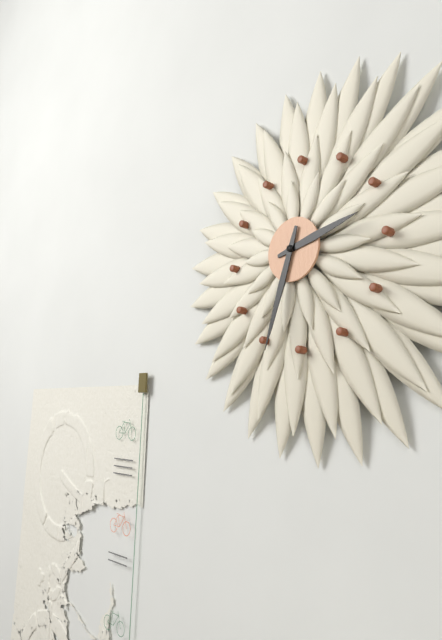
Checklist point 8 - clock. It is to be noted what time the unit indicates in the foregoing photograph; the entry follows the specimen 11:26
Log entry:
2:33
